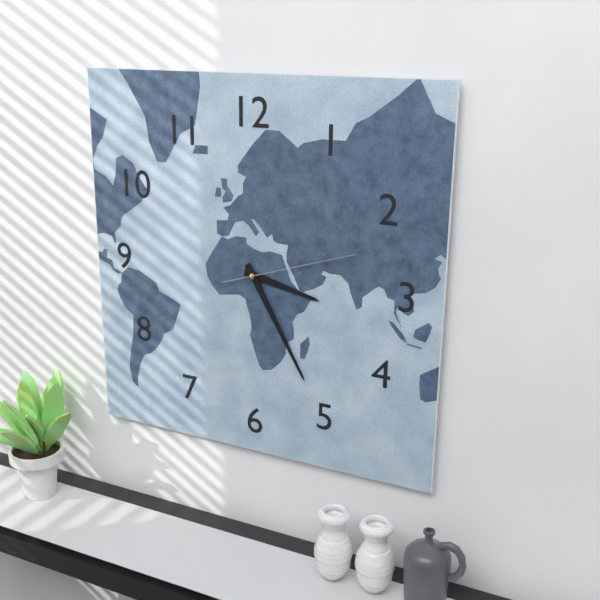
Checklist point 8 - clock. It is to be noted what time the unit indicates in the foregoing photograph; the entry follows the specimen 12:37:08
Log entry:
3:25:12
